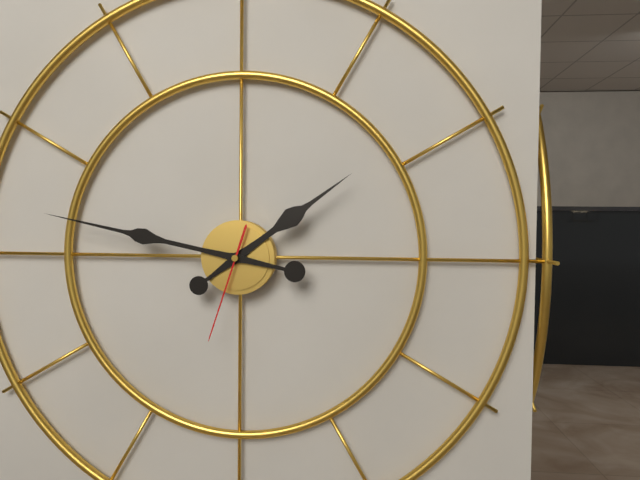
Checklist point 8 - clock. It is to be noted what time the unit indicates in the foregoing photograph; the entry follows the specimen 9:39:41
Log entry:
1:47:33
